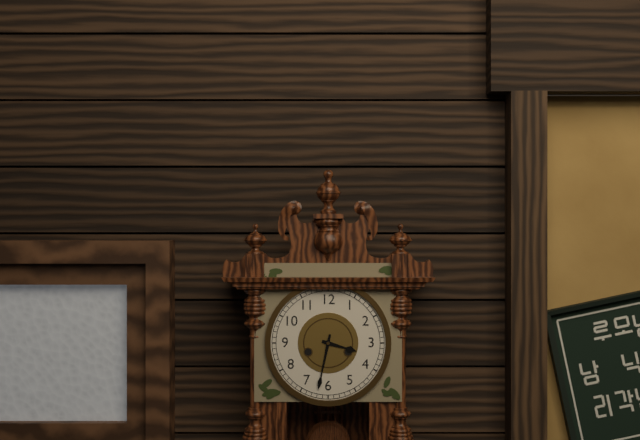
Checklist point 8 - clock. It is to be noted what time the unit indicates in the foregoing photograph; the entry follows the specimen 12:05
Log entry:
3:32
